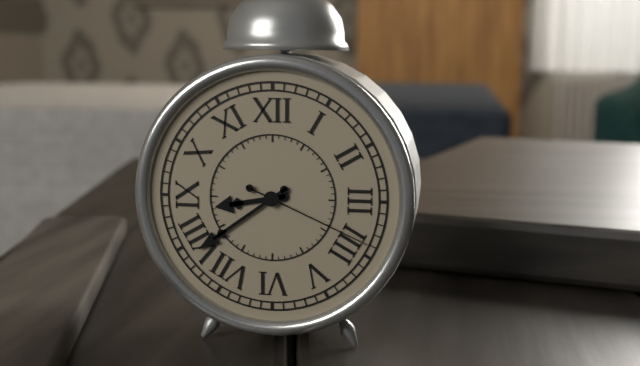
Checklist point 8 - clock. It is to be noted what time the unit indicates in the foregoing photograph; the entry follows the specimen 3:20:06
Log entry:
8:39:19
